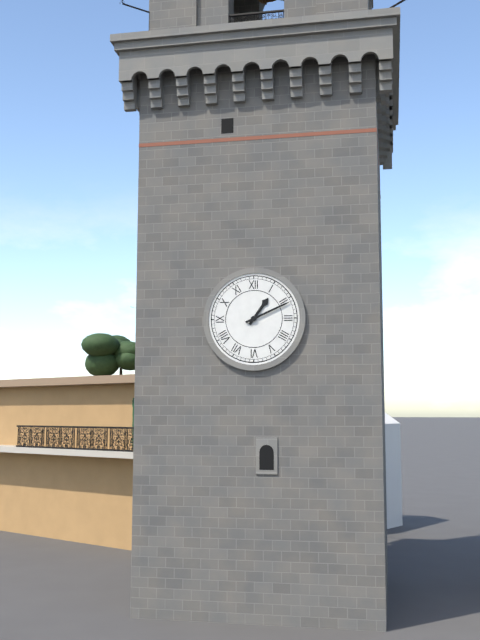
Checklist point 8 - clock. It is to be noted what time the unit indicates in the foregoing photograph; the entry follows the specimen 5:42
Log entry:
1:11
